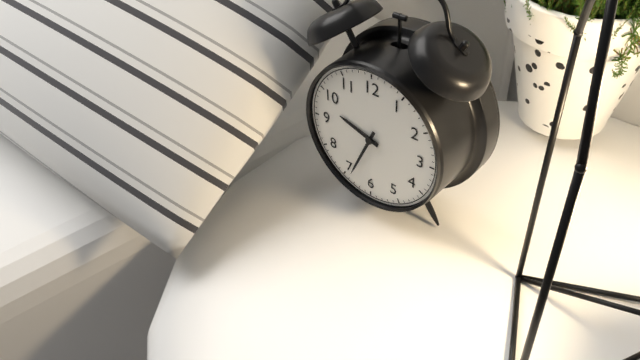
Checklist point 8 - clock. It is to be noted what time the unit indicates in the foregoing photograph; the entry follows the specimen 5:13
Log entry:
9:34
